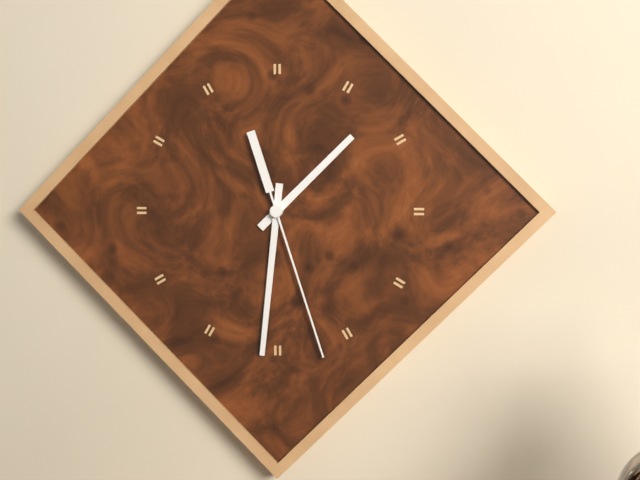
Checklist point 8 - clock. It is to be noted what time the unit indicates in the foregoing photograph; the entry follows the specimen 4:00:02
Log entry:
1:31:27
